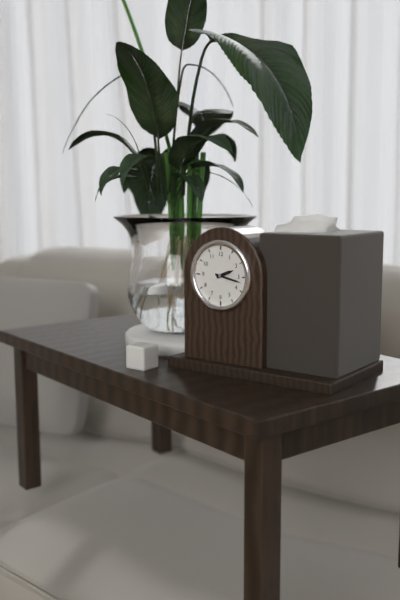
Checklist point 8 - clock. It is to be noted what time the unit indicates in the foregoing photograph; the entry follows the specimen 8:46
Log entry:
2:17
